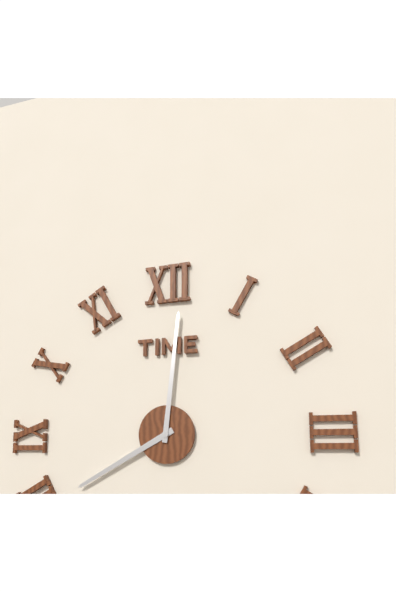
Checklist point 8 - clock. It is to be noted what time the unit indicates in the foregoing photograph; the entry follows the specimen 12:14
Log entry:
8:01
